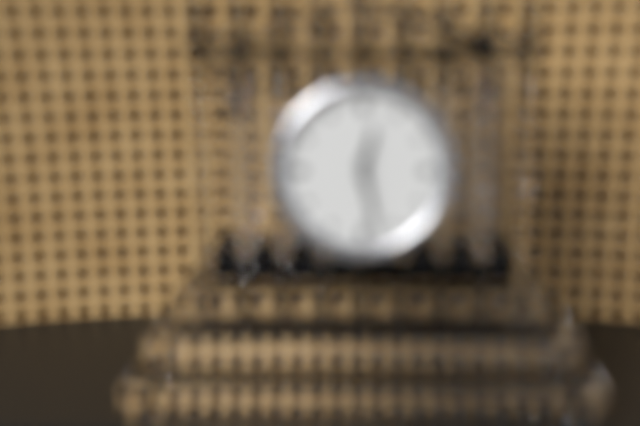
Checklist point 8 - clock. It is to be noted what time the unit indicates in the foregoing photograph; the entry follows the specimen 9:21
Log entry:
12:28
